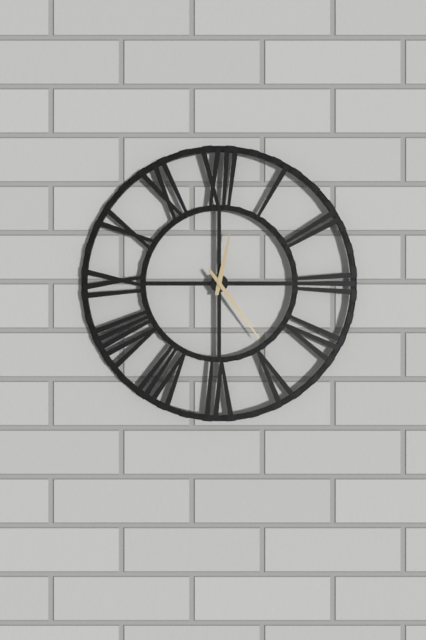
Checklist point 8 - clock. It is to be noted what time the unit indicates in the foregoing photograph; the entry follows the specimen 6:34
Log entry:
12:24
